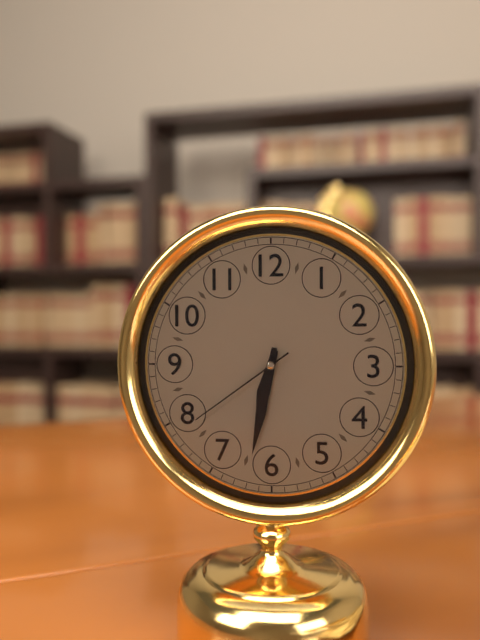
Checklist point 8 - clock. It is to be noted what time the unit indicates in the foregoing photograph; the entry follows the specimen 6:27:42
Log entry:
6:32:39
